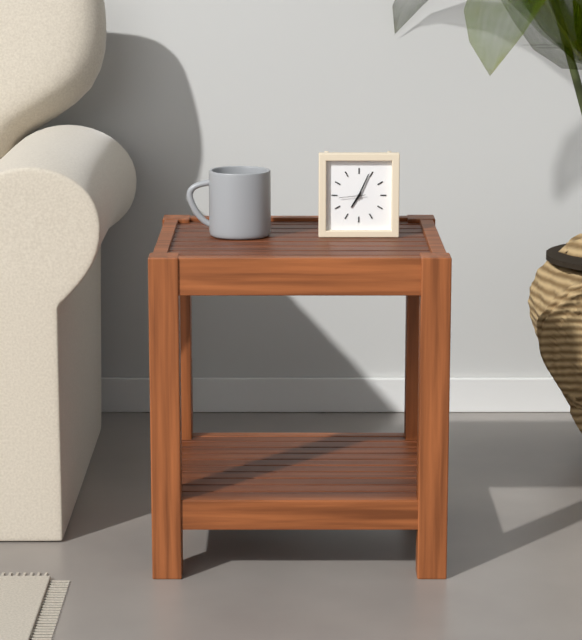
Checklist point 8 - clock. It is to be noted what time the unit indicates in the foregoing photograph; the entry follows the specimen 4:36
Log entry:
7:04
